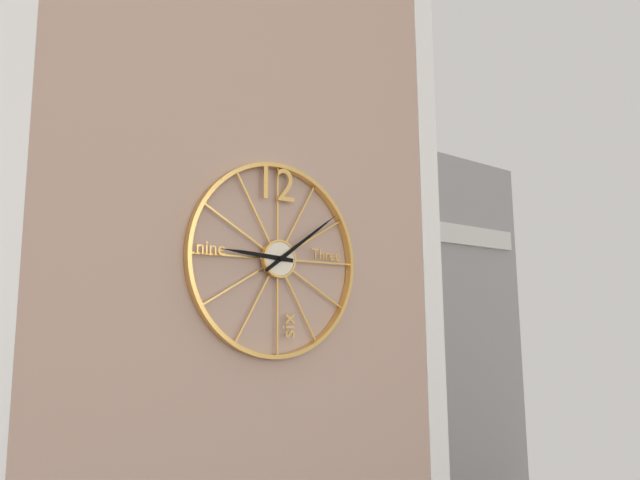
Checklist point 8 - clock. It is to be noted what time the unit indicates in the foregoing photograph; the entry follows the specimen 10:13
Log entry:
9:09
